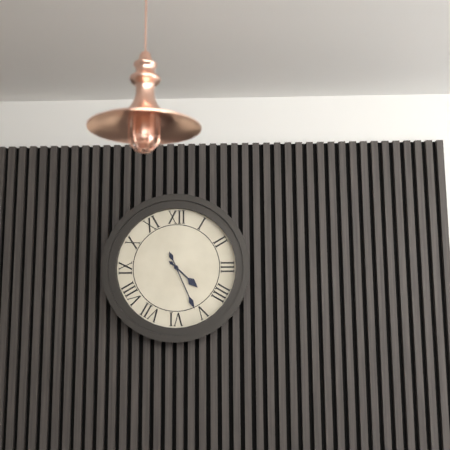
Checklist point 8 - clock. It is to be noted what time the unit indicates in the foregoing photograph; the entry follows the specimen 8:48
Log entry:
4:26
